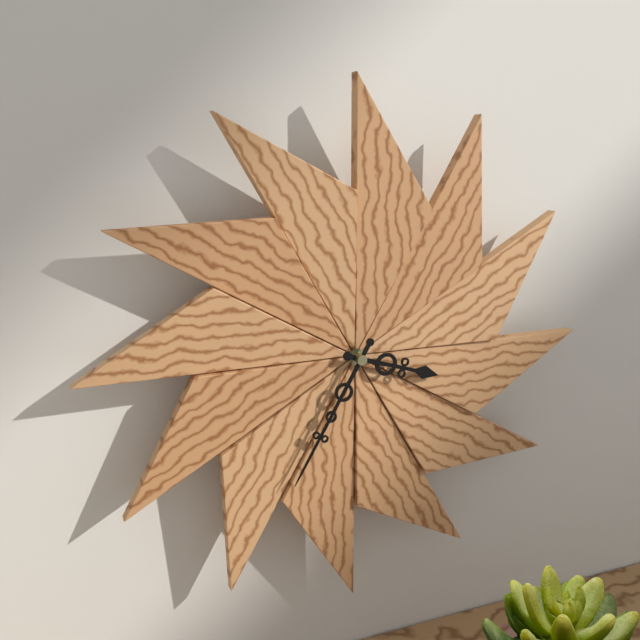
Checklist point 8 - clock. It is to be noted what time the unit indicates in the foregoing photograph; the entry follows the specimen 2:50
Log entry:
3:35
